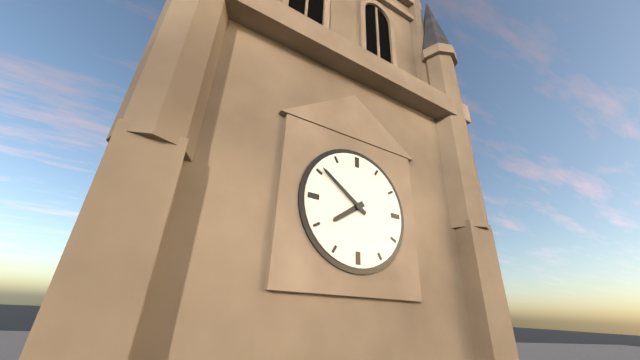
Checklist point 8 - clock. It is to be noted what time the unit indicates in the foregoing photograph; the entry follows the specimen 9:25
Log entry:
7:51
